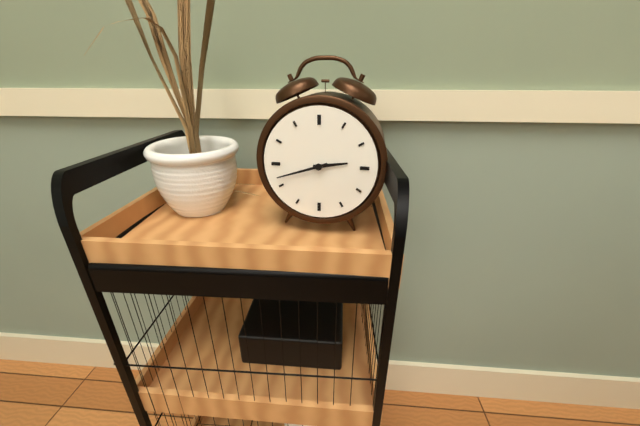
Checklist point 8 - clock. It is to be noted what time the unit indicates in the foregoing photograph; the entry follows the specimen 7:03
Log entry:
2:42
